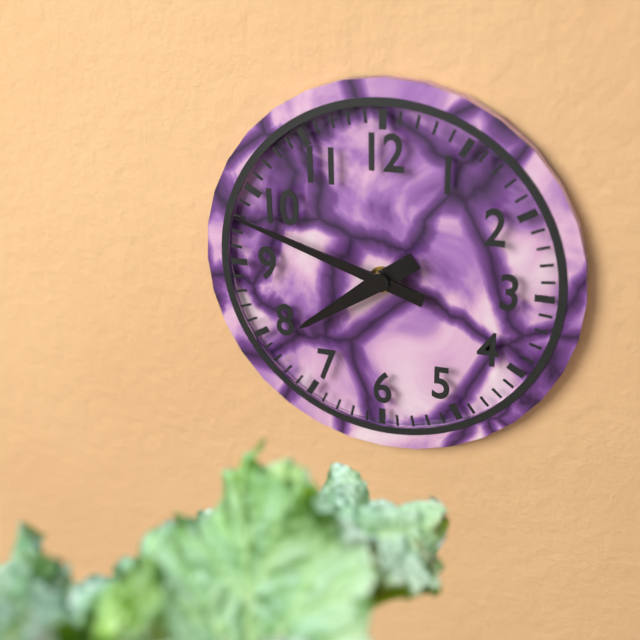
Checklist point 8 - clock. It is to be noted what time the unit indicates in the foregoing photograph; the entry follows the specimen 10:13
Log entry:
7:48
